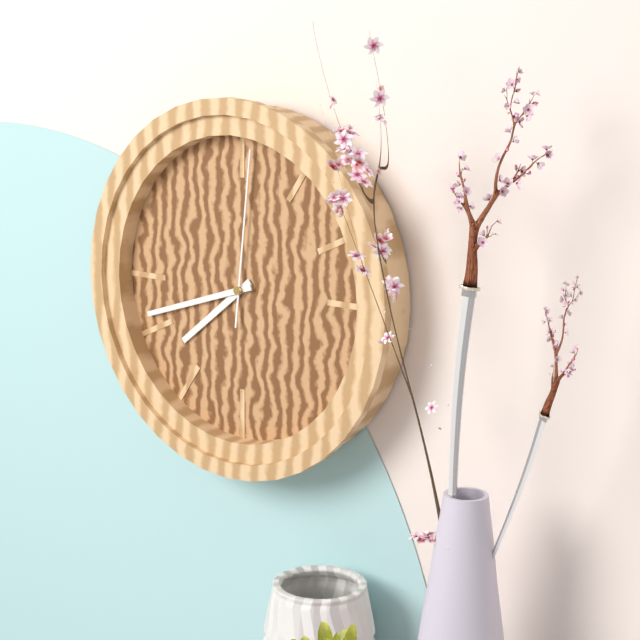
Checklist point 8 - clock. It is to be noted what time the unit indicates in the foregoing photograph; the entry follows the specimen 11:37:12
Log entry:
7:42:01
